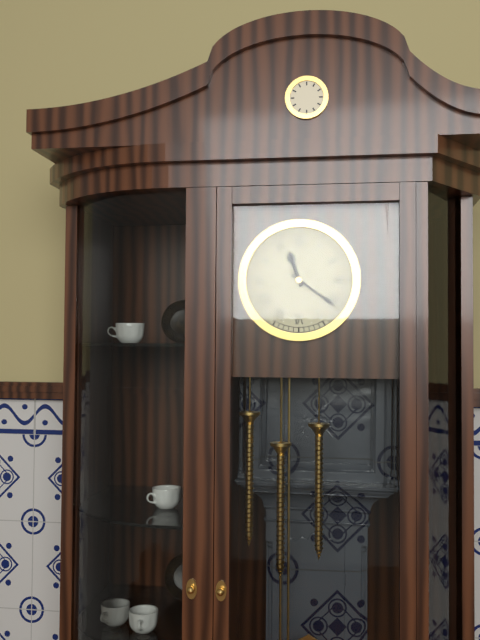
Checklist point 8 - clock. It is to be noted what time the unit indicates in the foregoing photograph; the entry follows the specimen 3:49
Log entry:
11:21
